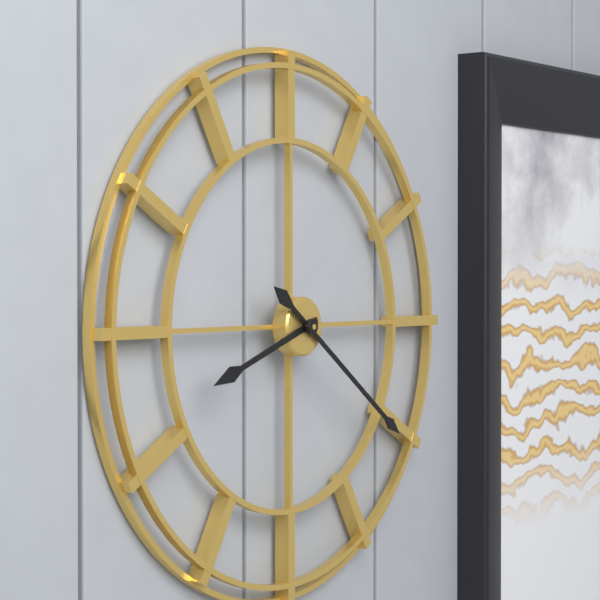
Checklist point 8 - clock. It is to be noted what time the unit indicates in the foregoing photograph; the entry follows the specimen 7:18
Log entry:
8:21
